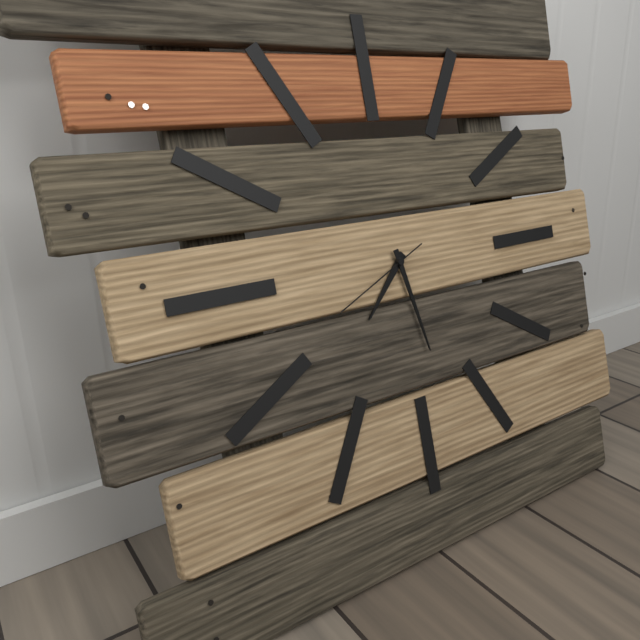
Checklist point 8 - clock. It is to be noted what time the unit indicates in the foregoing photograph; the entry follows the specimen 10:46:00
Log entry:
7:28:41
